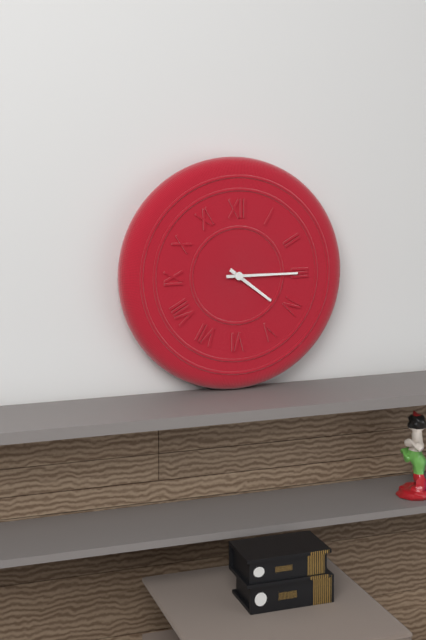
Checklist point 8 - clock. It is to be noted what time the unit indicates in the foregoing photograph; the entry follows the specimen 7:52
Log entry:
4:15
